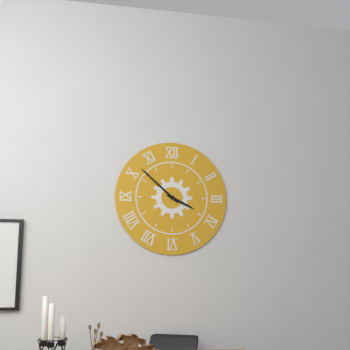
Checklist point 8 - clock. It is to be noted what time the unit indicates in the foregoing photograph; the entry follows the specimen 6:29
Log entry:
3:52
